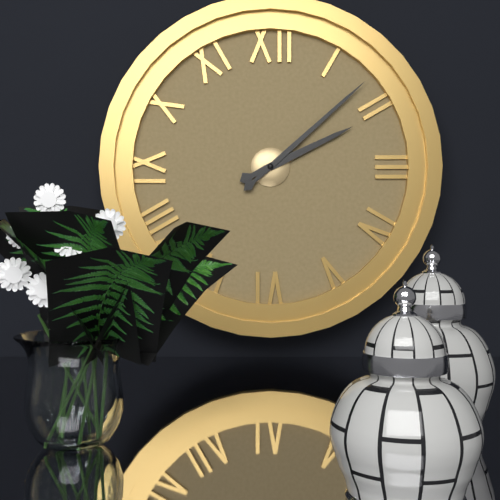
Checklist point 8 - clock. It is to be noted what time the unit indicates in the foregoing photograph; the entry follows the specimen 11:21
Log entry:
2:08
